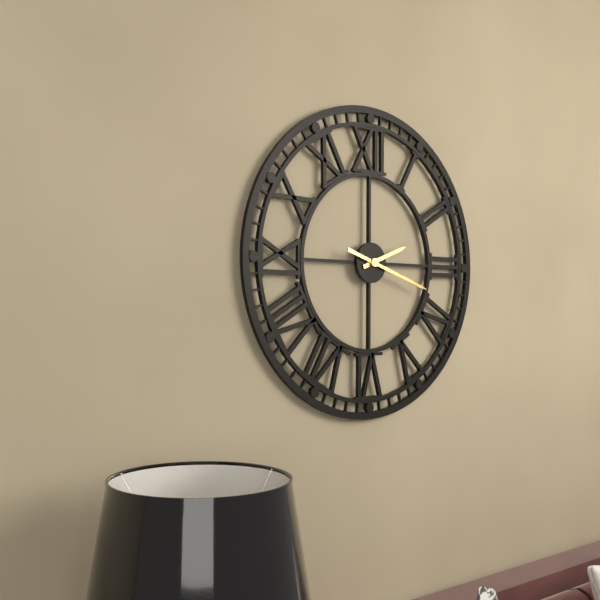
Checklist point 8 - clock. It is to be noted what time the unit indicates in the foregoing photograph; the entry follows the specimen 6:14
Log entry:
2:18
